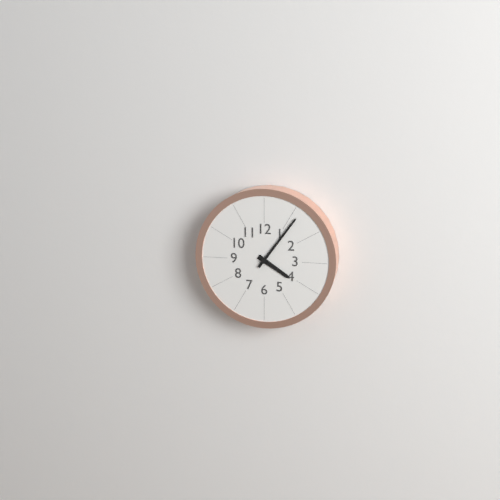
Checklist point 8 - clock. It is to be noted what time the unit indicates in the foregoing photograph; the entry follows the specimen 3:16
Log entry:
4:06
